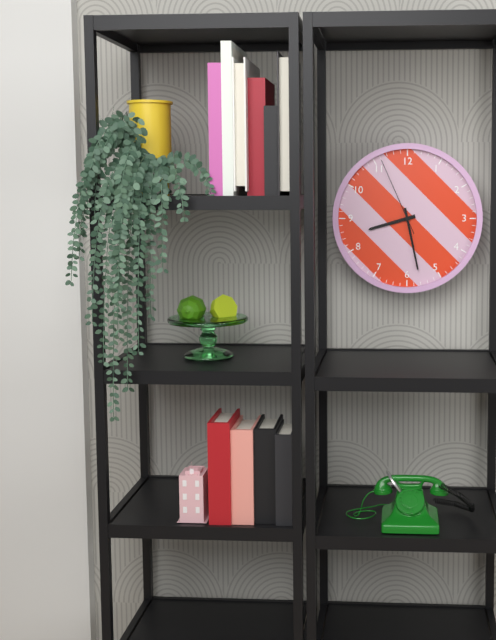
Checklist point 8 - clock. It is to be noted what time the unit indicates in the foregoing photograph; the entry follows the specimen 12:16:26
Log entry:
8:28:56
